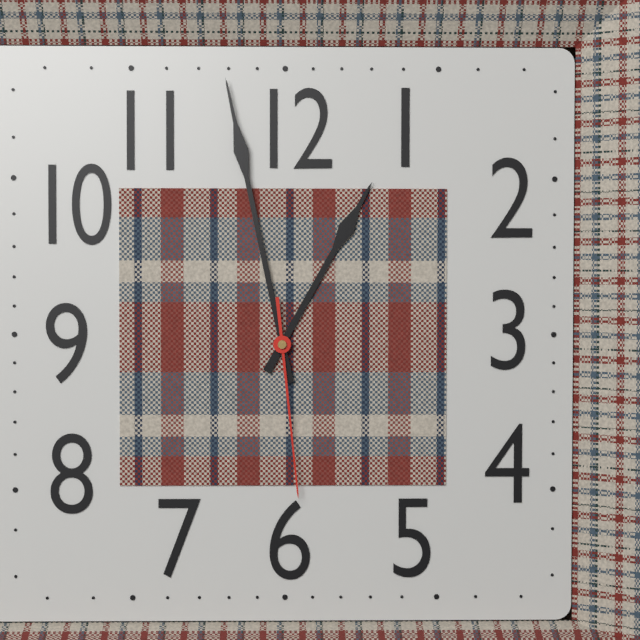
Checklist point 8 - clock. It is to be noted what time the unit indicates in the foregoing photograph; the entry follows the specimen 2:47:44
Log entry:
12:58:29
